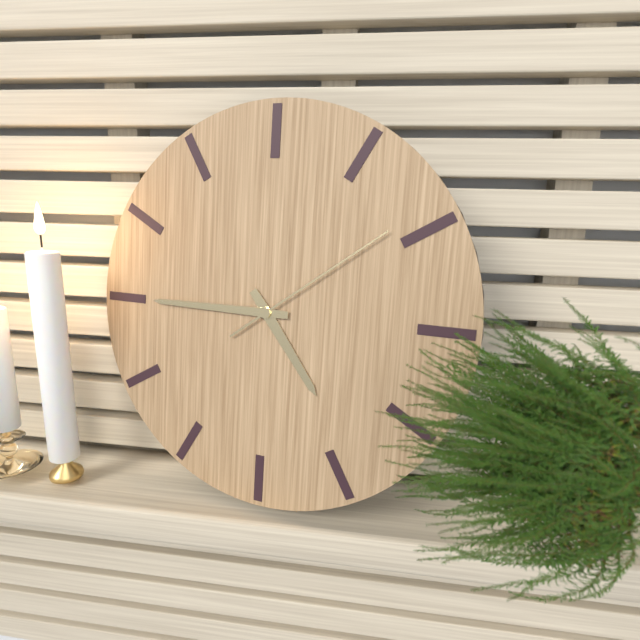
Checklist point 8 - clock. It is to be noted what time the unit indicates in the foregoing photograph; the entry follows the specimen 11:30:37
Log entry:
4:45:09
